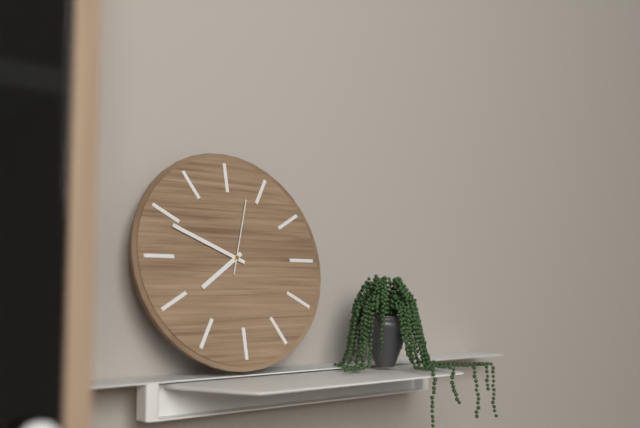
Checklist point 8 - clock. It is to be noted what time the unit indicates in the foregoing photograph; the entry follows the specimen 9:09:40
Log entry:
7:49:03
